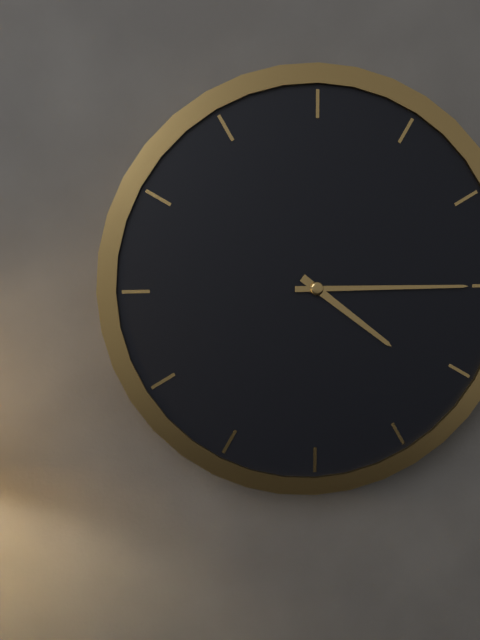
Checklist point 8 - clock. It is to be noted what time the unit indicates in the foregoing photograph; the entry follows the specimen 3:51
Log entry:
4:15
